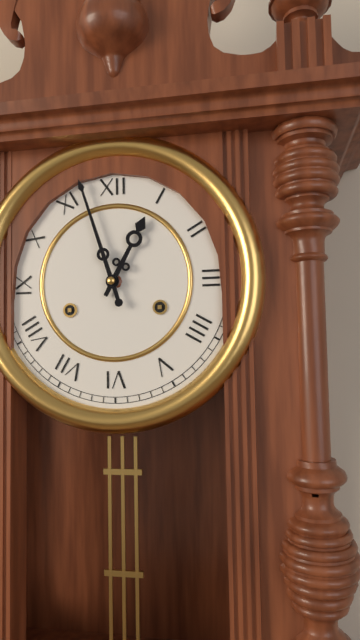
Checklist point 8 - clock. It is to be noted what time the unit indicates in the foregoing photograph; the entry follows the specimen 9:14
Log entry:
12:57
